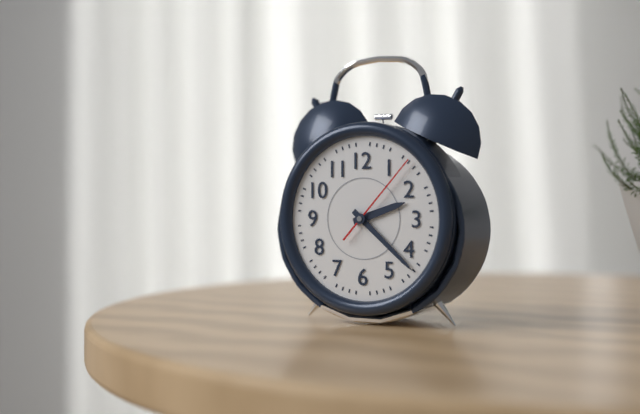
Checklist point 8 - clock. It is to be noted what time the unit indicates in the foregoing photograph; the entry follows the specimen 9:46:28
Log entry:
2:22:07
